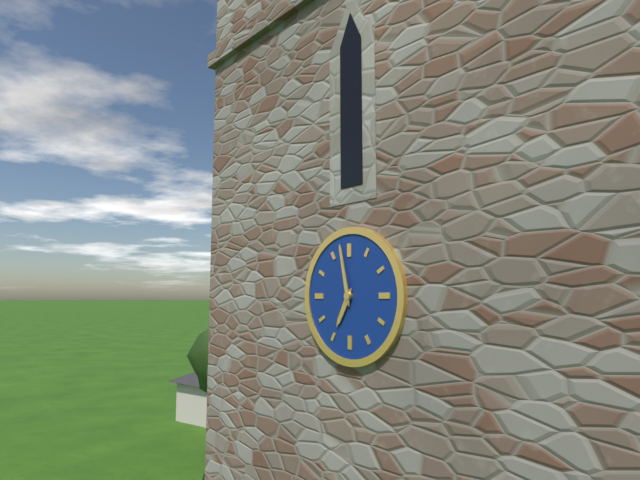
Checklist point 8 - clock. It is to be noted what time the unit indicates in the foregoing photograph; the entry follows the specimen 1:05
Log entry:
6:58
